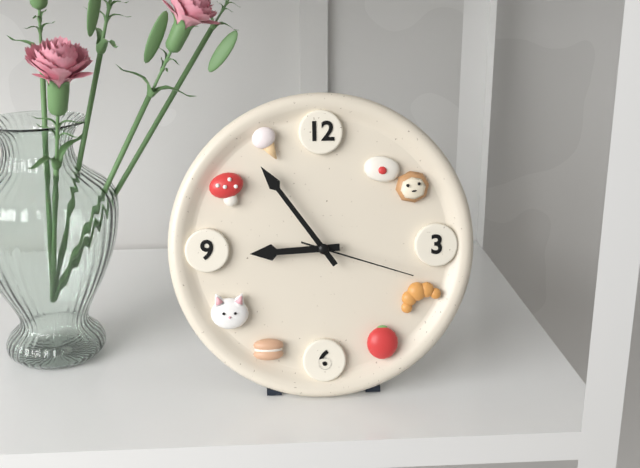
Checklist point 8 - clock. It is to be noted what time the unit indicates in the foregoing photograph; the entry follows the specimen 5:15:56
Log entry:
8:54:18
